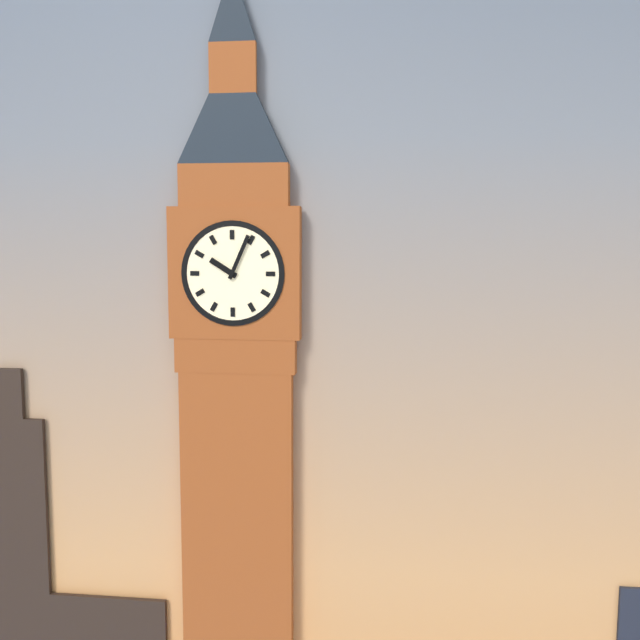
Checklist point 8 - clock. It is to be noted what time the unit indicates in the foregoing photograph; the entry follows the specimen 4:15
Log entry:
10:04
